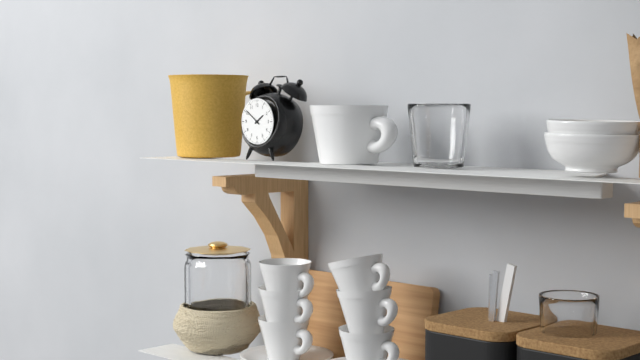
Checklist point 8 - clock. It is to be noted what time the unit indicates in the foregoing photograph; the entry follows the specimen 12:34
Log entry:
1:51
